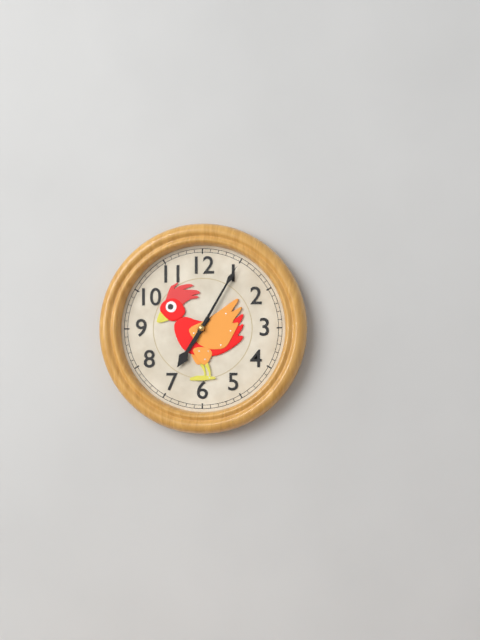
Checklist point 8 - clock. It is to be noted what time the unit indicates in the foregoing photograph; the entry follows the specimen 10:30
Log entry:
7:05
